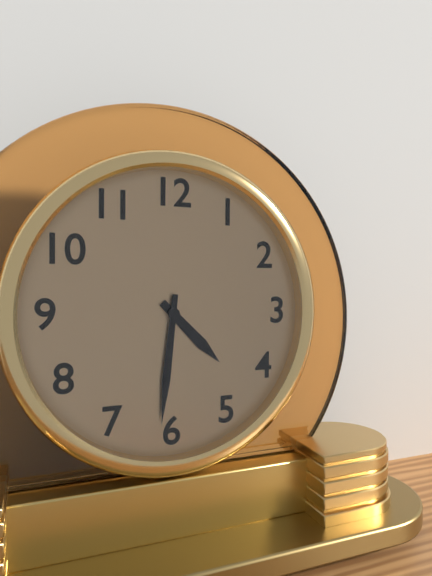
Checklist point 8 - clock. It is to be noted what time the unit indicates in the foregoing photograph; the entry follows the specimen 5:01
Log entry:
4:31
